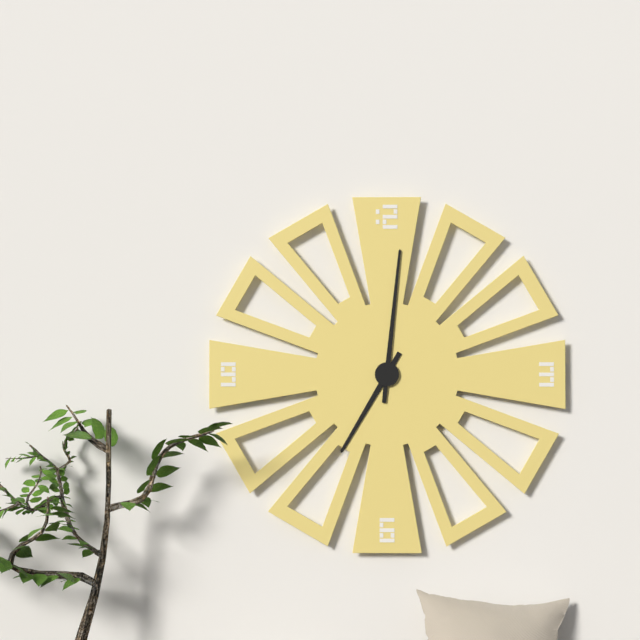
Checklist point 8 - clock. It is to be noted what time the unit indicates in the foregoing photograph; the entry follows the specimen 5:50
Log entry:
7:01
